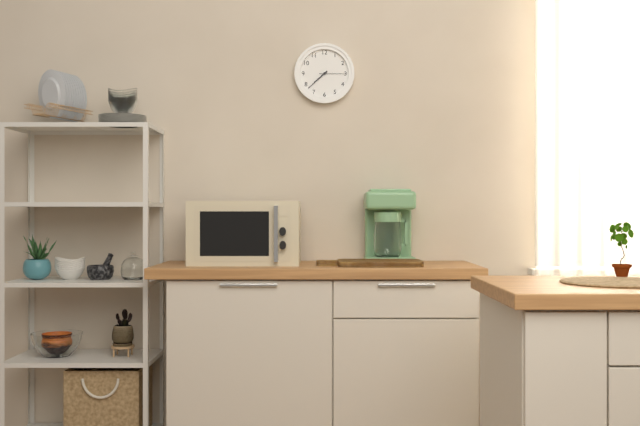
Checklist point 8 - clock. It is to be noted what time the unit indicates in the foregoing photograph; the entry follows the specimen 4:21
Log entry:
7:38
